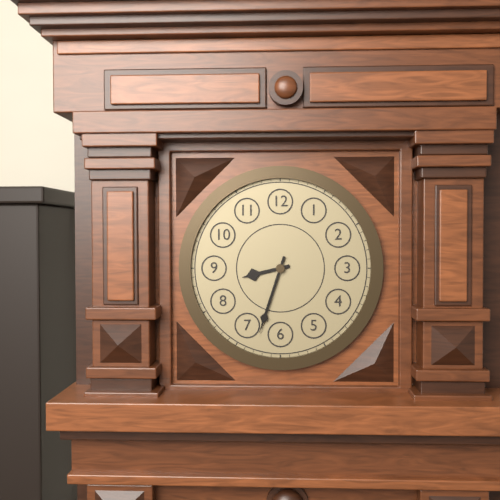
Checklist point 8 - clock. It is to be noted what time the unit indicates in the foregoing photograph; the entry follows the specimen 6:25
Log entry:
8:33
